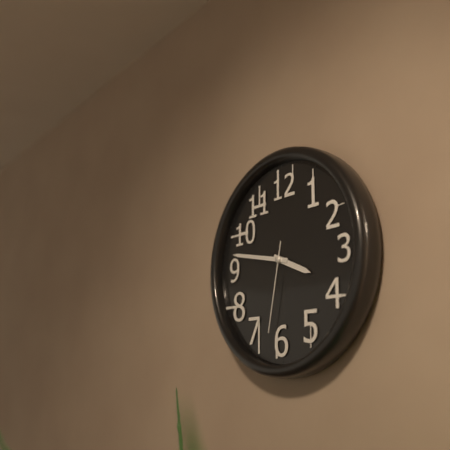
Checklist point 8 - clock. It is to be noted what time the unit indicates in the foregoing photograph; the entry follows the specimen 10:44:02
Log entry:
3:47:32
